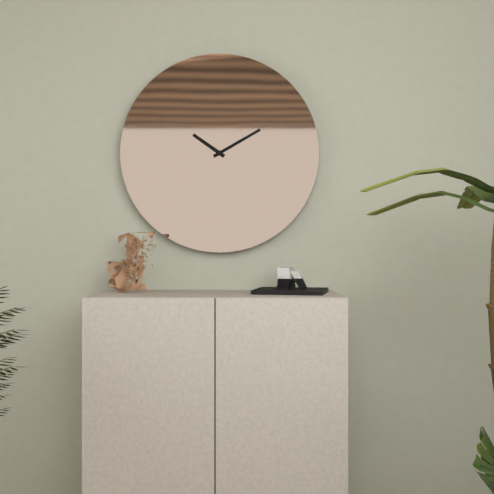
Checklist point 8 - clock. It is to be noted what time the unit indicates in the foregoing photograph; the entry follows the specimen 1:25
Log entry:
10:10
